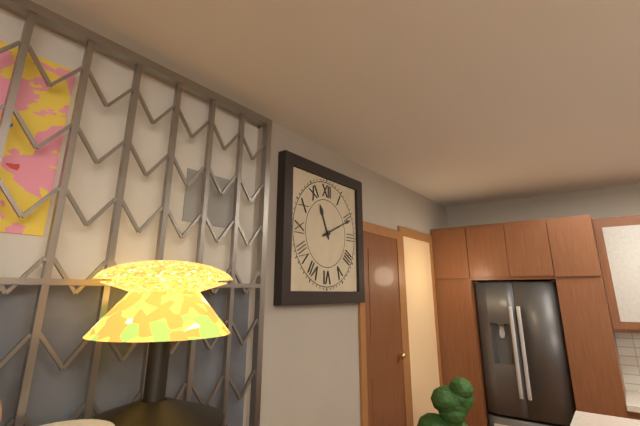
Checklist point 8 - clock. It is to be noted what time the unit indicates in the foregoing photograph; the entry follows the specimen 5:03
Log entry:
11:11
